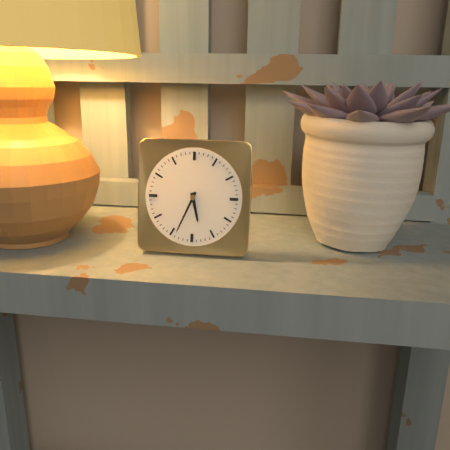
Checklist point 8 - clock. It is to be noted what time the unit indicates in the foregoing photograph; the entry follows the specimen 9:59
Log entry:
5:34
